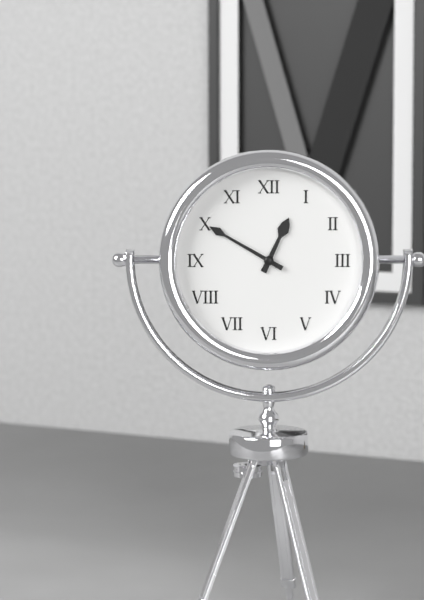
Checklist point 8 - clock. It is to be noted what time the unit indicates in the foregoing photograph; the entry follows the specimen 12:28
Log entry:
12:50
